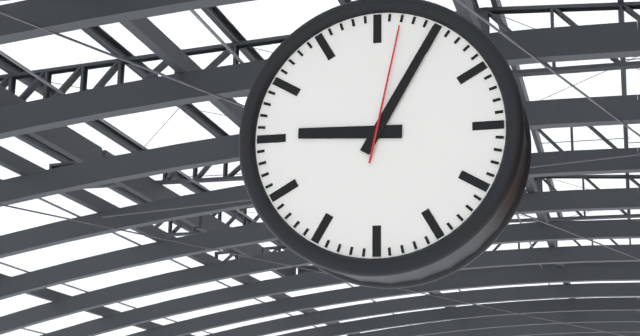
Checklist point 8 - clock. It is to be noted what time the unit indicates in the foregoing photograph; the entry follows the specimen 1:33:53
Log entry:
9:05:02
